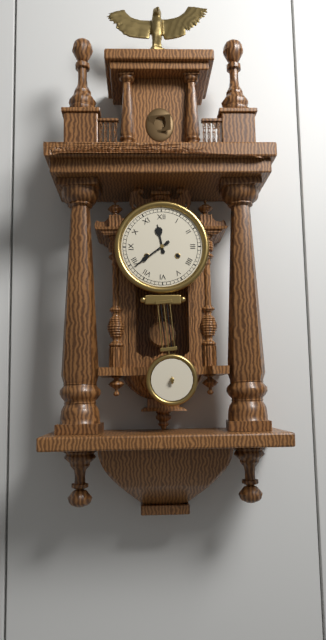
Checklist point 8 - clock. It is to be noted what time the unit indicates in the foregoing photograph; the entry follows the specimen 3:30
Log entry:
11:39
